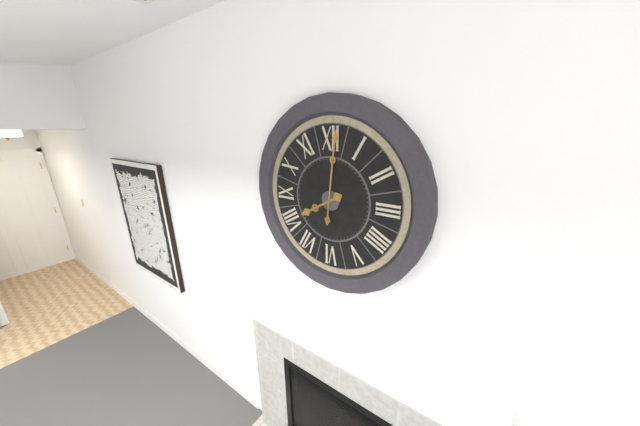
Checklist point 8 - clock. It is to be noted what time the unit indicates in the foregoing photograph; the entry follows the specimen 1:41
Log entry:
8:01
